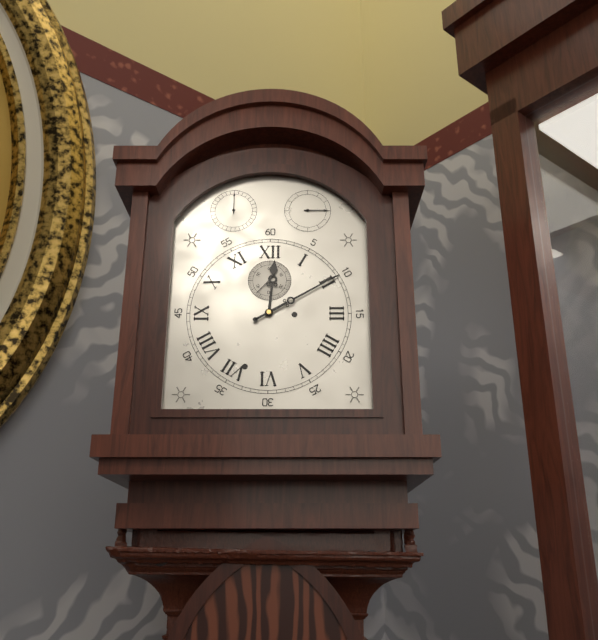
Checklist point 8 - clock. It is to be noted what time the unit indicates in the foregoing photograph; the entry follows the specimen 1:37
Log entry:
12:10
